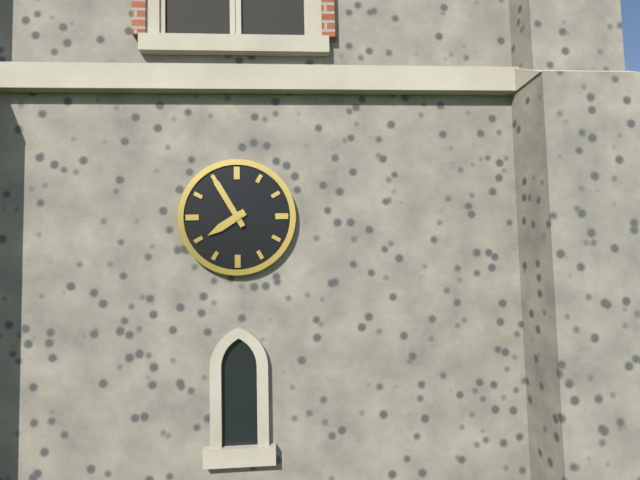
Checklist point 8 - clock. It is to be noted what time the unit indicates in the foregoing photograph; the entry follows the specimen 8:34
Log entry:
7:55
